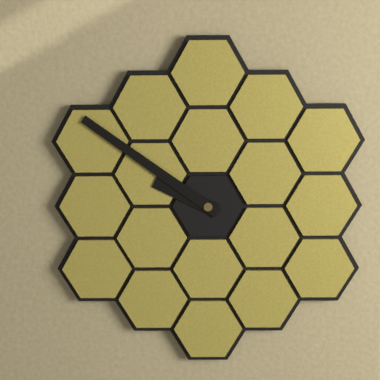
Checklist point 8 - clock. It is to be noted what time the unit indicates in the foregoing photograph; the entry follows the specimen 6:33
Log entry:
9:51
